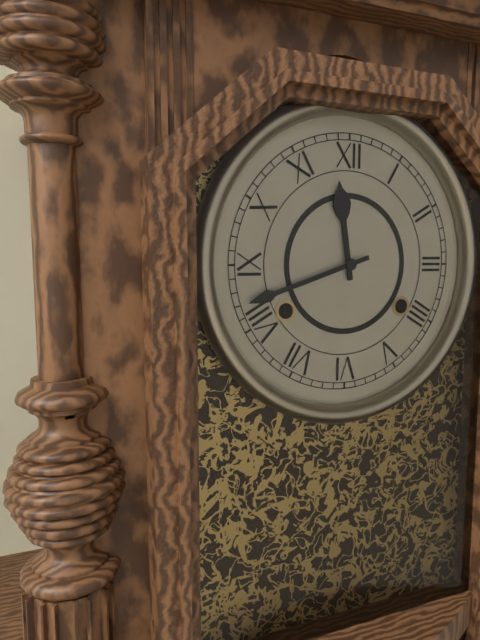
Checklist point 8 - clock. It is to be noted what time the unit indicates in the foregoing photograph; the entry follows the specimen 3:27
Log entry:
11:42
